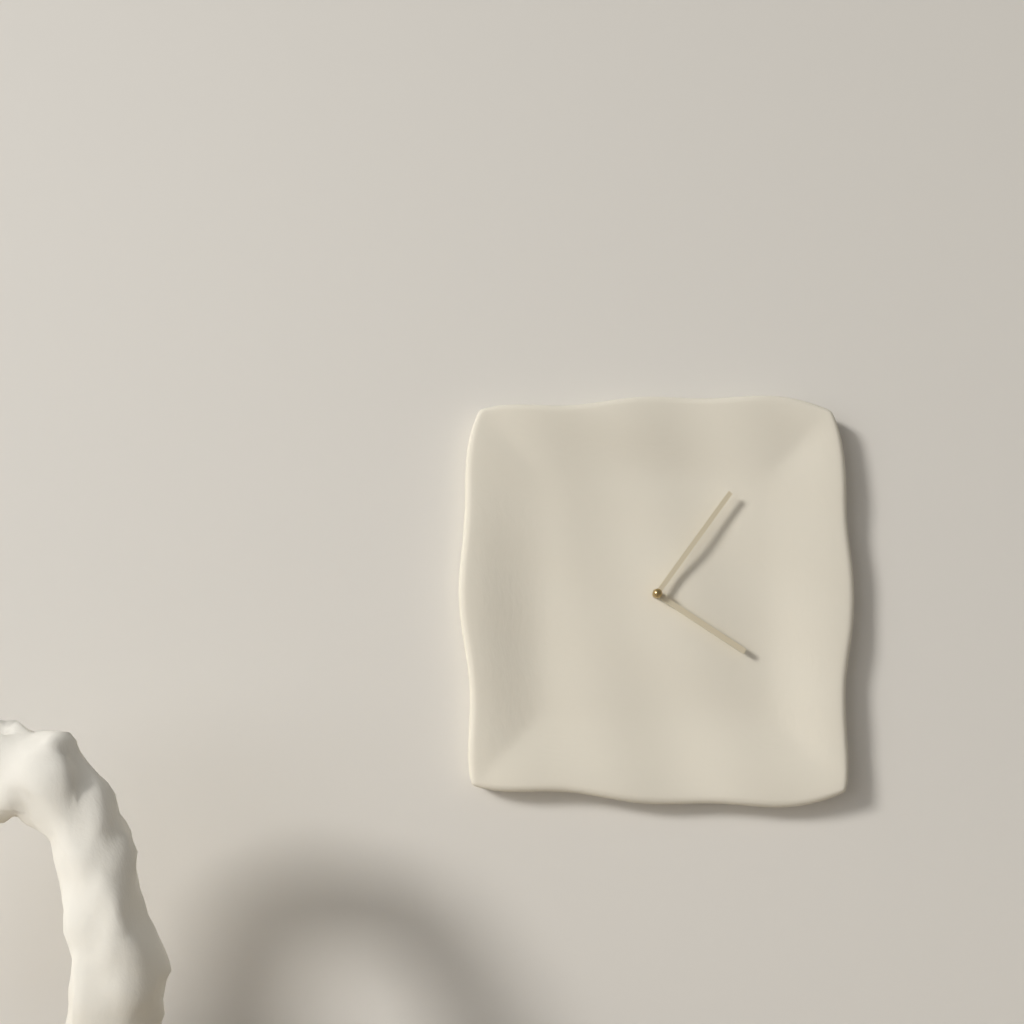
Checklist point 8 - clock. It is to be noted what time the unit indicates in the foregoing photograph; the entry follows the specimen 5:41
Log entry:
4:06
